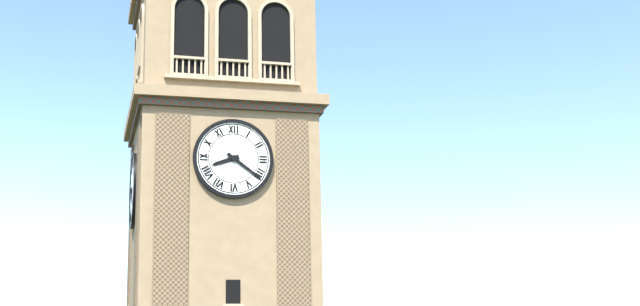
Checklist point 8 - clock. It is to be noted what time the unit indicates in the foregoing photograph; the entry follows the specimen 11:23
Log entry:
8:21
